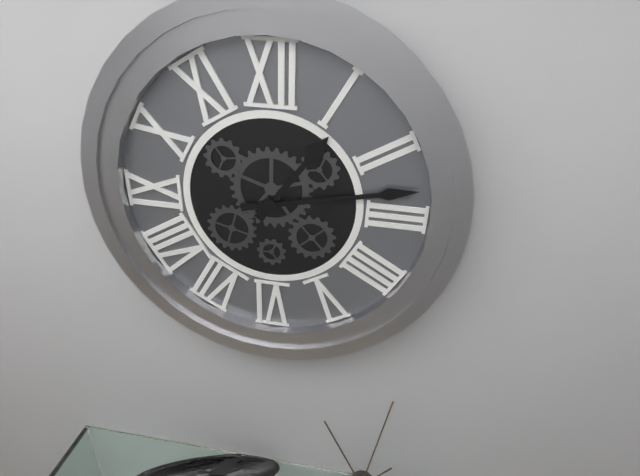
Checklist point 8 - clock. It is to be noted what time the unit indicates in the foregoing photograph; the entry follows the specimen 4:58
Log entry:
1:13
